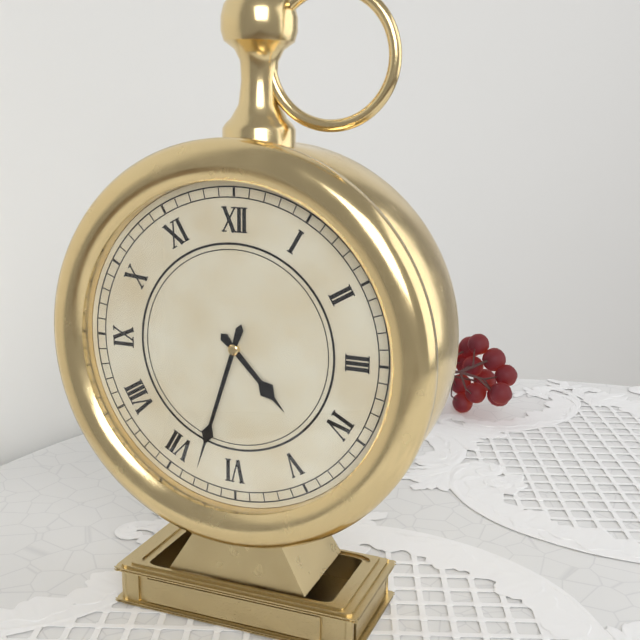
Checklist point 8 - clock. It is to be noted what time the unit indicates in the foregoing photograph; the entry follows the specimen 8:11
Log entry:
4:33
